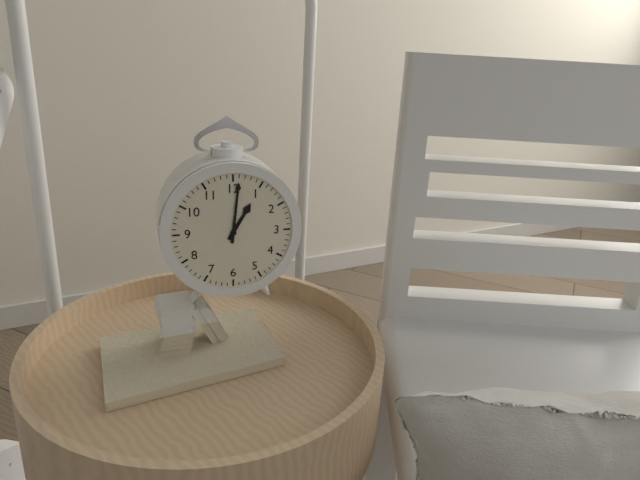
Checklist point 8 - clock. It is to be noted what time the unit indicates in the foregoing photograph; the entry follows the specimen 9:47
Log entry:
1:01
